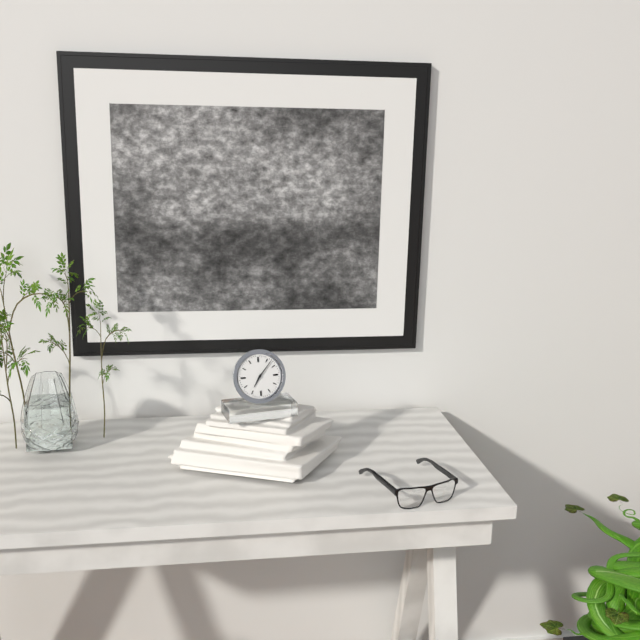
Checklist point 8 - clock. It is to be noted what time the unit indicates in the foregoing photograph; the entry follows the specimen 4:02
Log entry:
7:07
